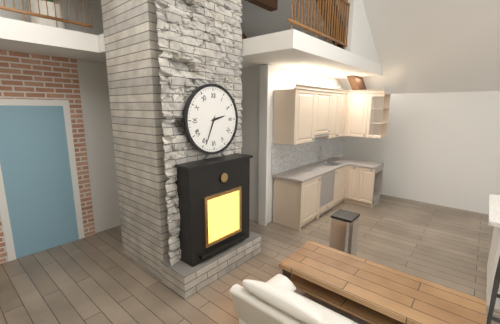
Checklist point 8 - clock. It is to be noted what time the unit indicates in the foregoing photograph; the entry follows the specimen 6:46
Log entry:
2:34
